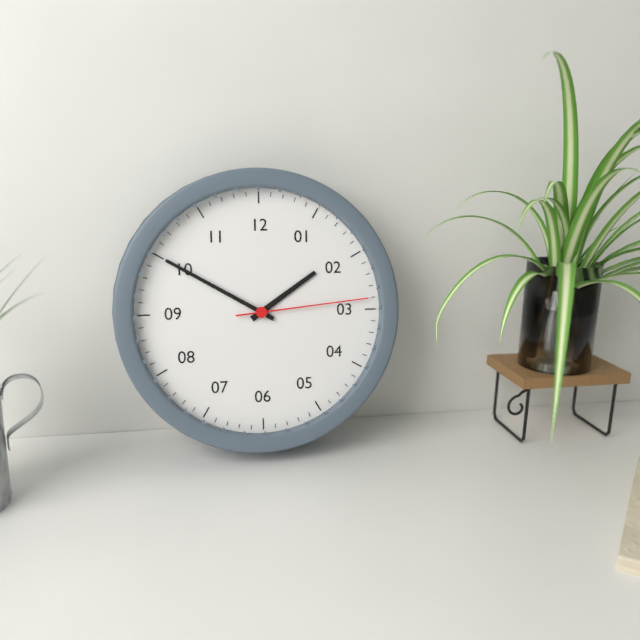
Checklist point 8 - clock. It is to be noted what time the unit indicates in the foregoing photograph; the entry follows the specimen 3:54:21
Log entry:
1:50:14
